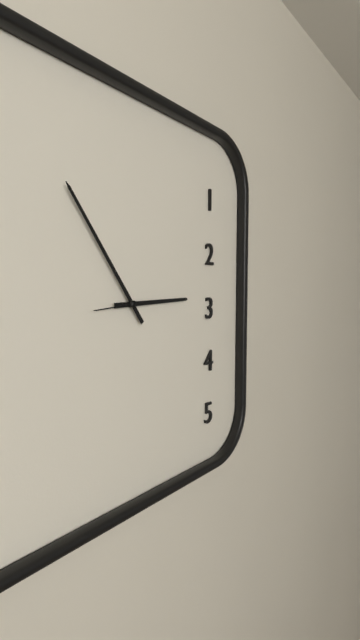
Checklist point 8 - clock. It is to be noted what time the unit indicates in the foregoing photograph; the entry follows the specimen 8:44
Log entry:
2:54
